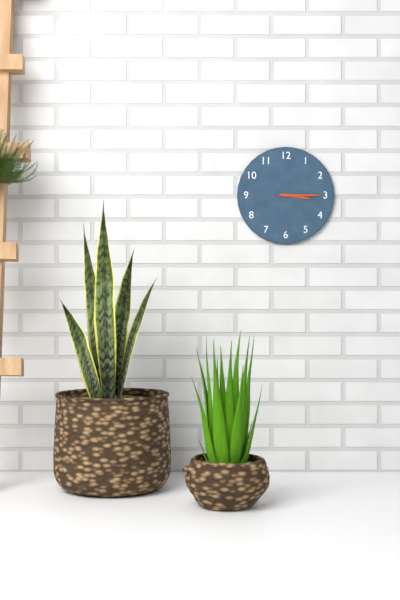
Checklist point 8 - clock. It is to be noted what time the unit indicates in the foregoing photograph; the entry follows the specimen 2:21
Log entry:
3:15
